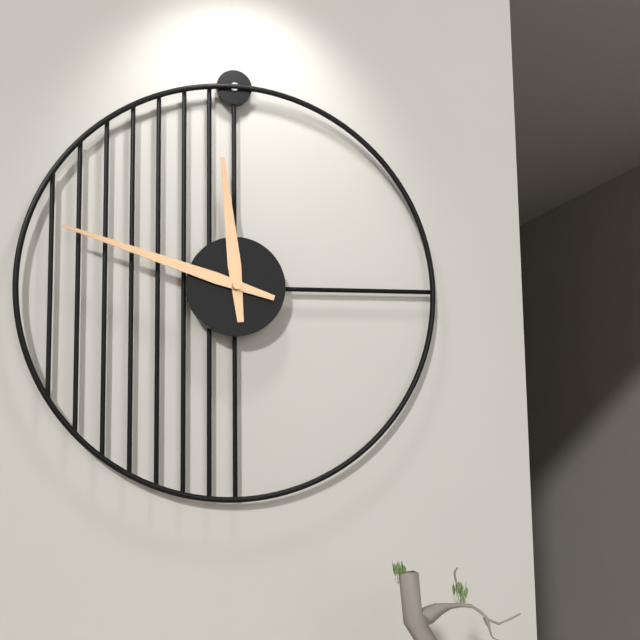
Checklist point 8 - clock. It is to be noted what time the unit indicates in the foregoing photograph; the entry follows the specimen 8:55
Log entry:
11:48
